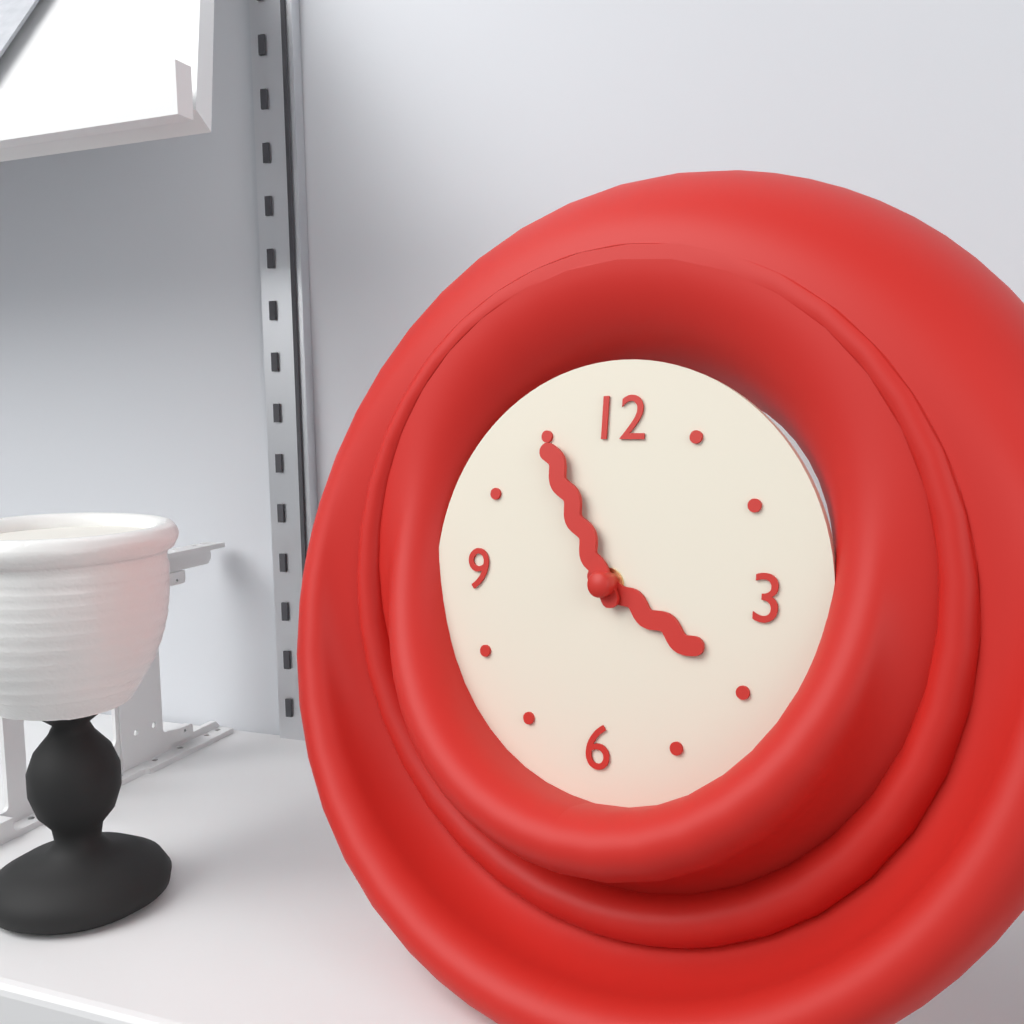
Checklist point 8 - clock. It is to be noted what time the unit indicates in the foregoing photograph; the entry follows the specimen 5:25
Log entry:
3:55
